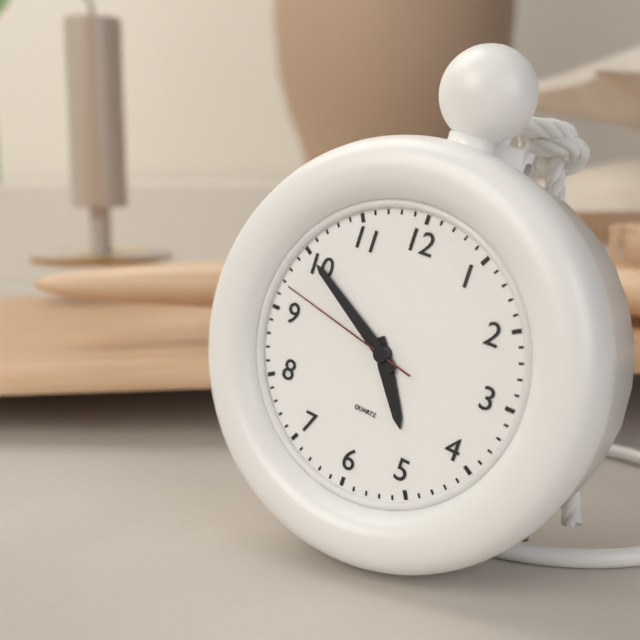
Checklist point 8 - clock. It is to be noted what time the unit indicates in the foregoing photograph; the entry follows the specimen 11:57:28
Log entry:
4:50:47
